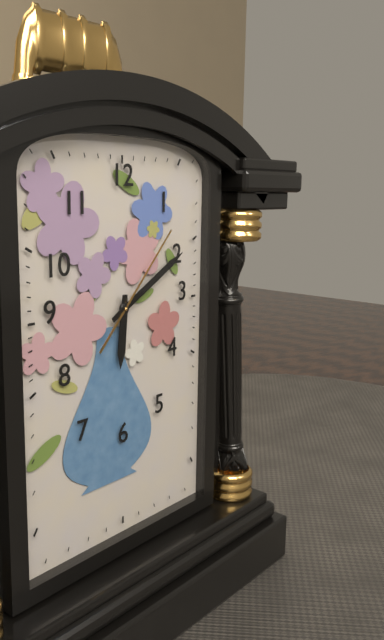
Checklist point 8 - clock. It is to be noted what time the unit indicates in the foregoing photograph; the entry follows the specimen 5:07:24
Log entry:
6:10:07
